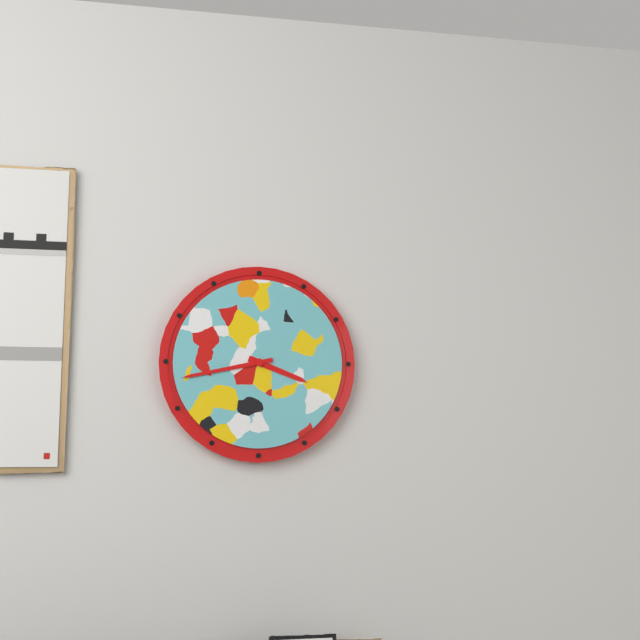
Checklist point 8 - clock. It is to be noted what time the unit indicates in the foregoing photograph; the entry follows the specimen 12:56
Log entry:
3:43
